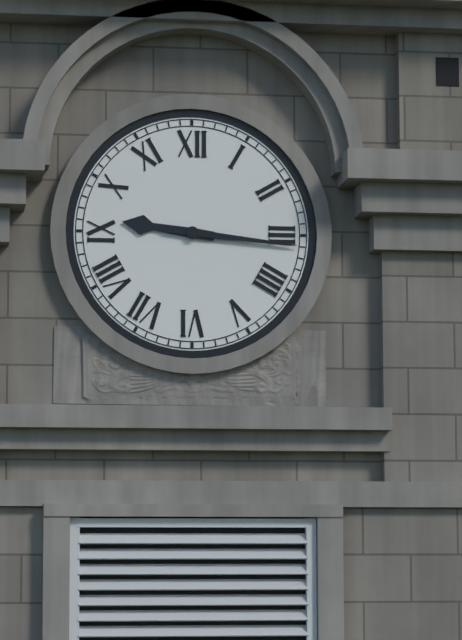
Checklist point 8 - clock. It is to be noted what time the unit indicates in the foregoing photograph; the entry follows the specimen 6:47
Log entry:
9:16
